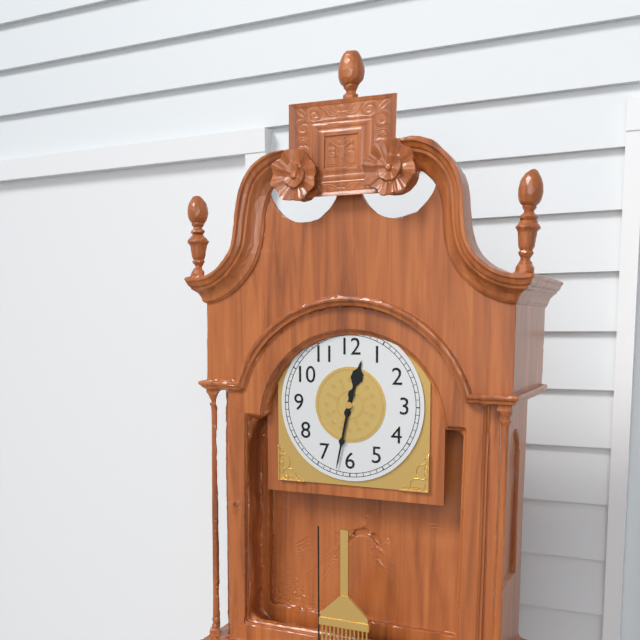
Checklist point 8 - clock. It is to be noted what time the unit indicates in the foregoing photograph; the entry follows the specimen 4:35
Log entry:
12:32
